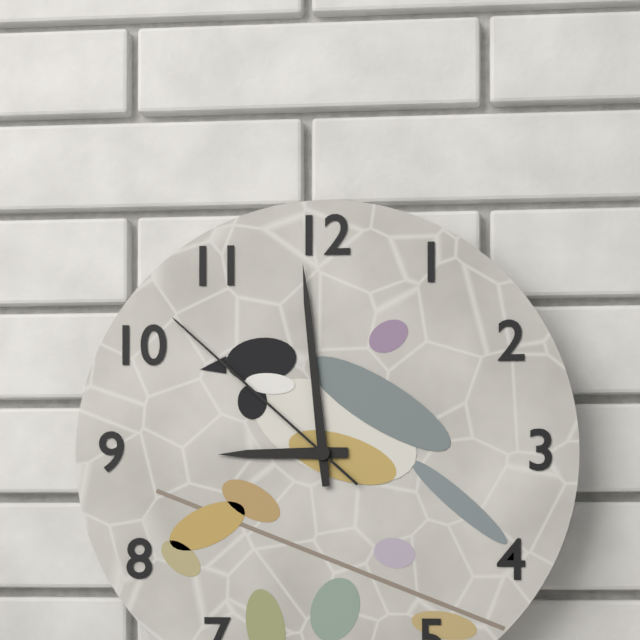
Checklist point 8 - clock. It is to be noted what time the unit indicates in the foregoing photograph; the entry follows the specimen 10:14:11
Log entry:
8:59:52
